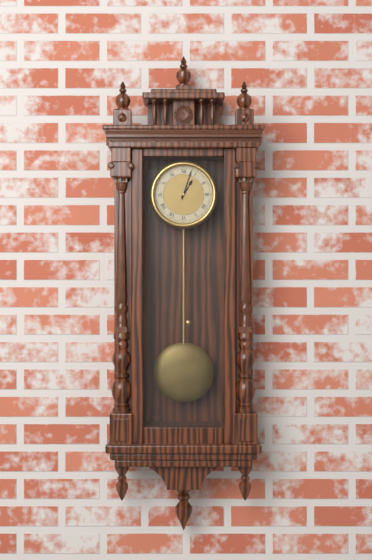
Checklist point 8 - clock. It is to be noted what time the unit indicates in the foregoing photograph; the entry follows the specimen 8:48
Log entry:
1:03
